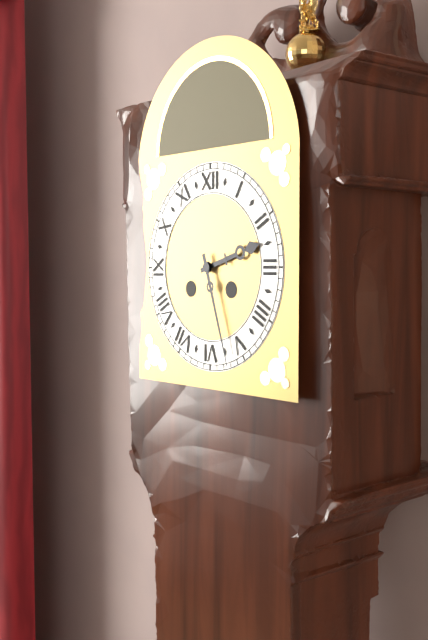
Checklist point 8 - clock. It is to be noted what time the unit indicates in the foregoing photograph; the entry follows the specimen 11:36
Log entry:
2:27
